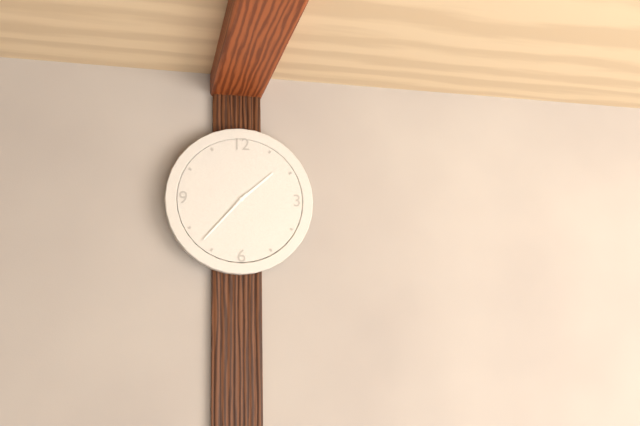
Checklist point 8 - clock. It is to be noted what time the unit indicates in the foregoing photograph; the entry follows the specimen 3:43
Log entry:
1:37
